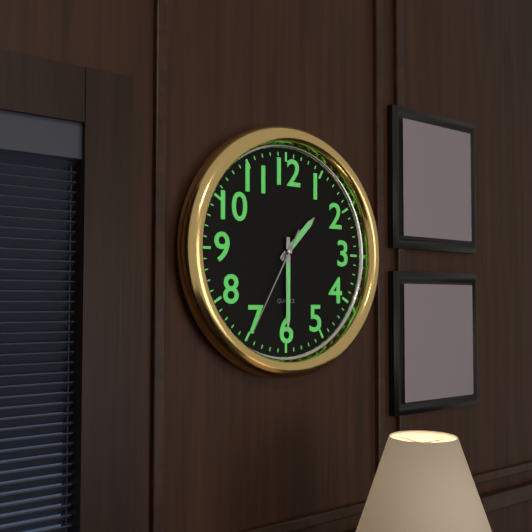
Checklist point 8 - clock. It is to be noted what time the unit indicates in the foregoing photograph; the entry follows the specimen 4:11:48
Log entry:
1:30:35
